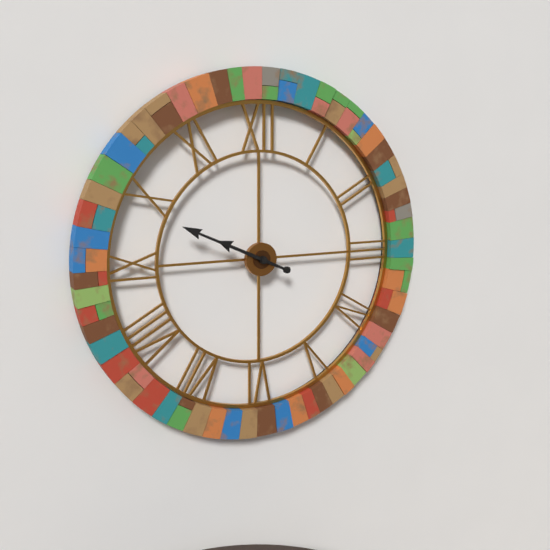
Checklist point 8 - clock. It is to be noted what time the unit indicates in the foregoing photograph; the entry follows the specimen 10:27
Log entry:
9:49
